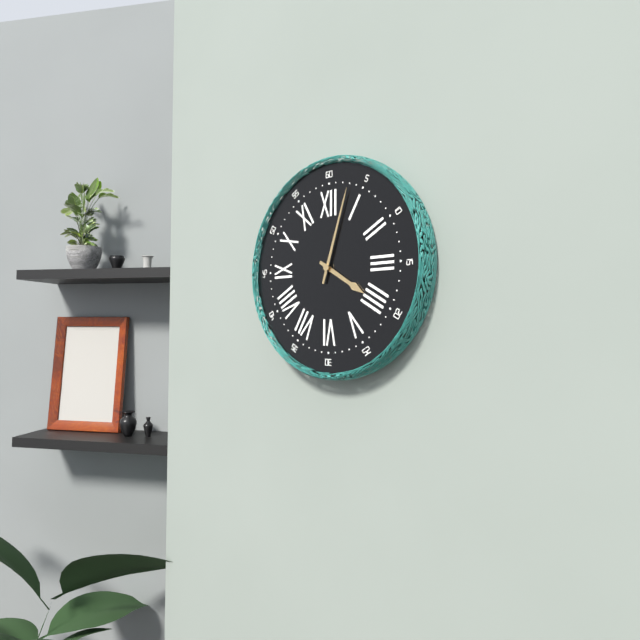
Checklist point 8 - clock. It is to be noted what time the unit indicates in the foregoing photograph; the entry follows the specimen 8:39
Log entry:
4:03
